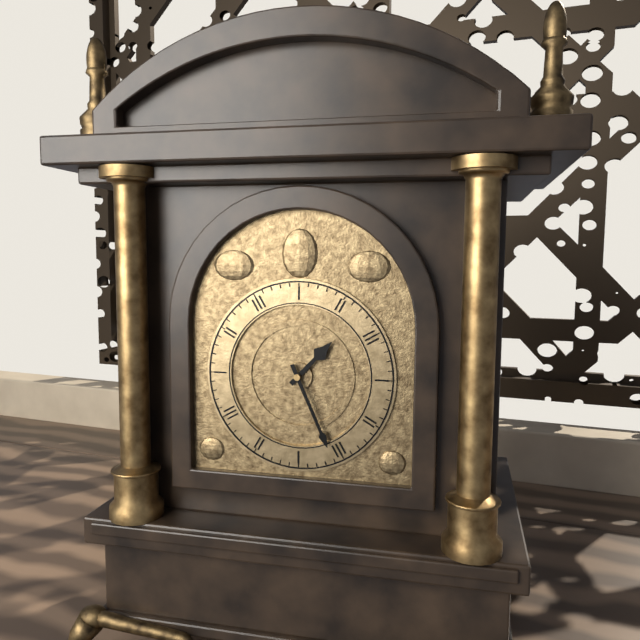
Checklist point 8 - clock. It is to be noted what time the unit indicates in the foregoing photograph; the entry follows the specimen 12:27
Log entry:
1:26
